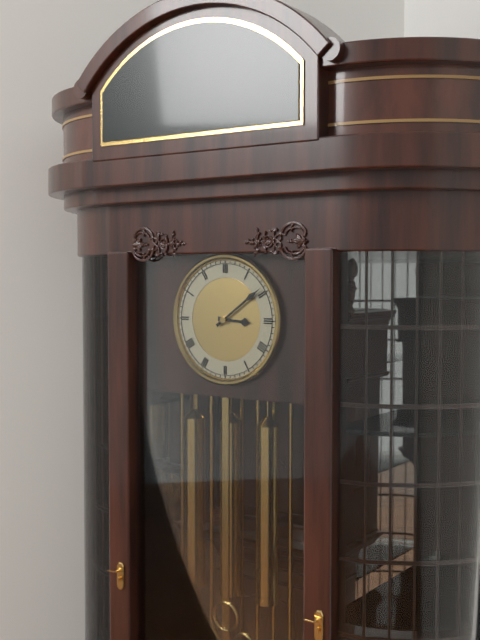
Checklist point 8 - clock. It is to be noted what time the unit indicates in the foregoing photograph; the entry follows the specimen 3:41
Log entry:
3:09
